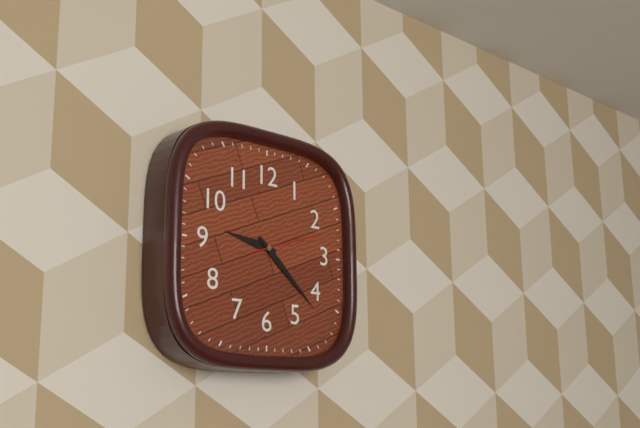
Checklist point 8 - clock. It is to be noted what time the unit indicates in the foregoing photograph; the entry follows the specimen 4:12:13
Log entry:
9:22:12
